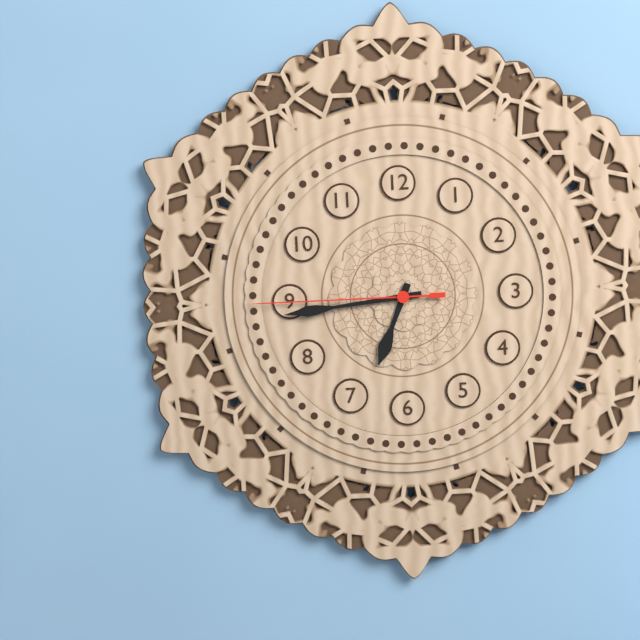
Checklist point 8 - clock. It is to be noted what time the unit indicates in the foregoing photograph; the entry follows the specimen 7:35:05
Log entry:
6:44:45
